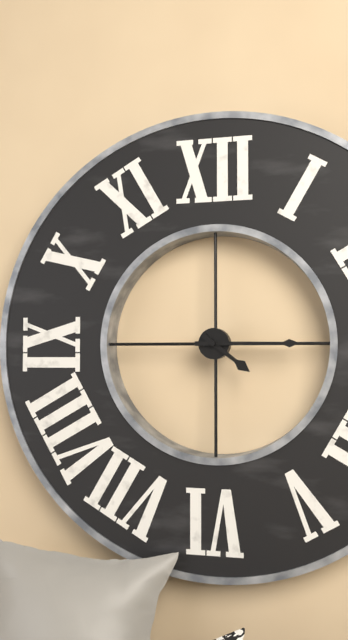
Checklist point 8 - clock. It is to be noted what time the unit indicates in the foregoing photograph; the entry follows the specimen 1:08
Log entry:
4:15
